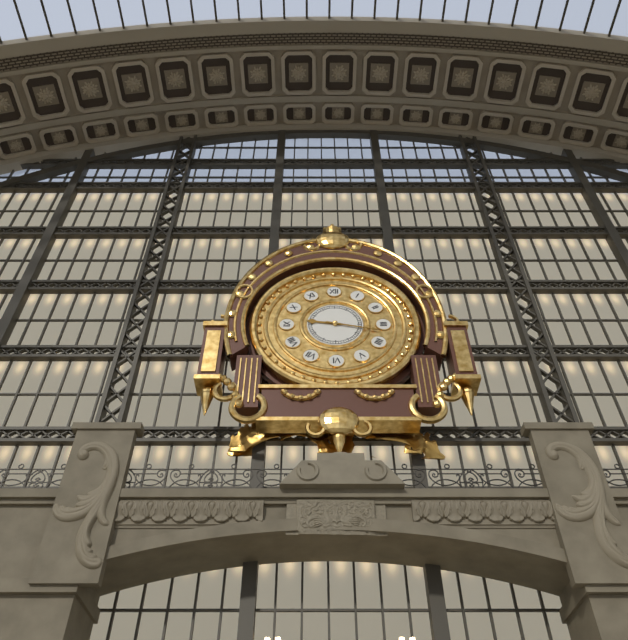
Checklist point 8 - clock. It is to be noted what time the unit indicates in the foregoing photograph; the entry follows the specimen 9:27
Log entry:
9:17
